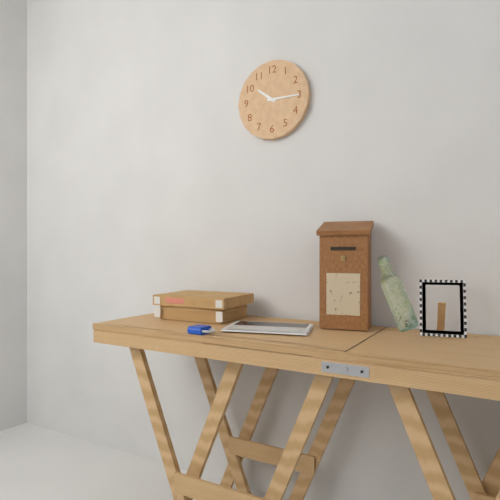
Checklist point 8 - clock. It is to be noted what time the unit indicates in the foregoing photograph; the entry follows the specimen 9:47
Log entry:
10:15
